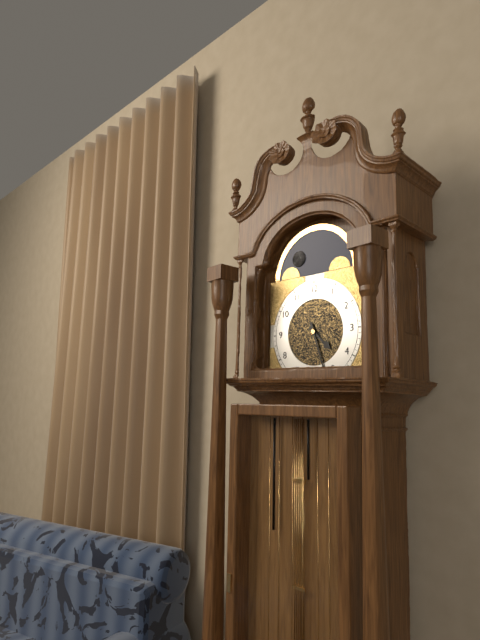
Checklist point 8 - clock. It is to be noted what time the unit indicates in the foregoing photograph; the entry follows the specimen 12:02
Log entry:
4:27
